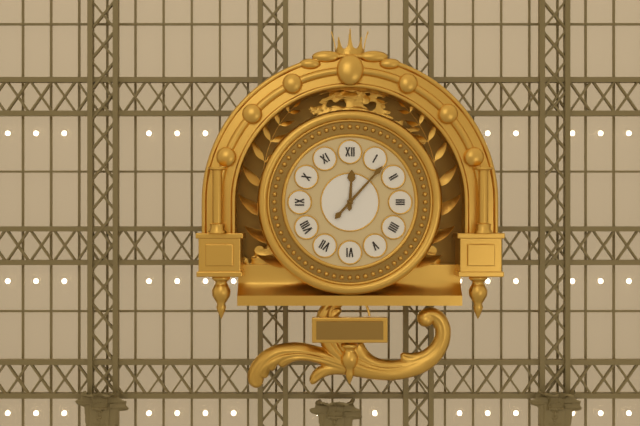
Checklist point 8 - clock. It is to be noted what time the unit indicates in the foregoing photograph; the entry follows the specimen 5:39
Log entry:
12:07
